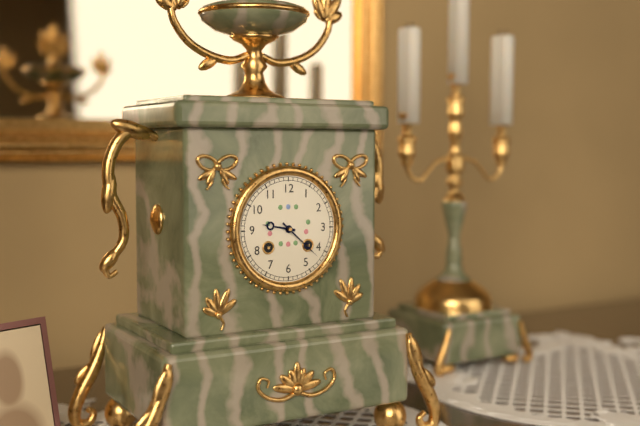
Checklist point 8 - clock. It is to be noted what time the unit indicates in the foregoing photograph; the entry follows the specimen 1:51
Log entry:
9:22
